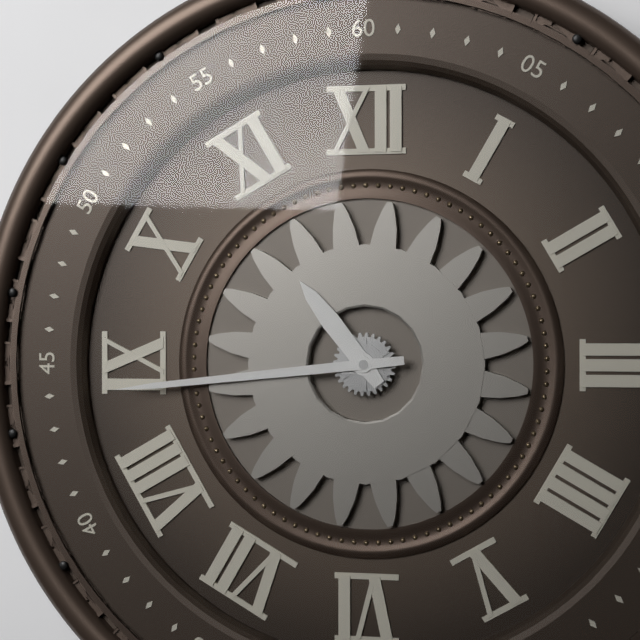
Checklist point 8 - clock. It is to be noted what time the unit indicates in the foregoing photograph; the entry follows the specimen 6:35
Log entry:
10:44
